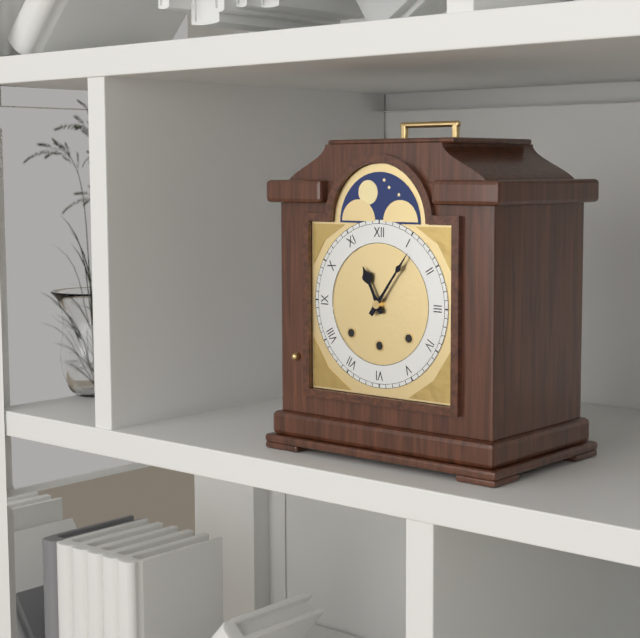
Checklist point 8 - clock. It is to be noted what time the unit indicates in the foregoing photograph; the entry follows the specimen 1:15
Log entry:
11:06
